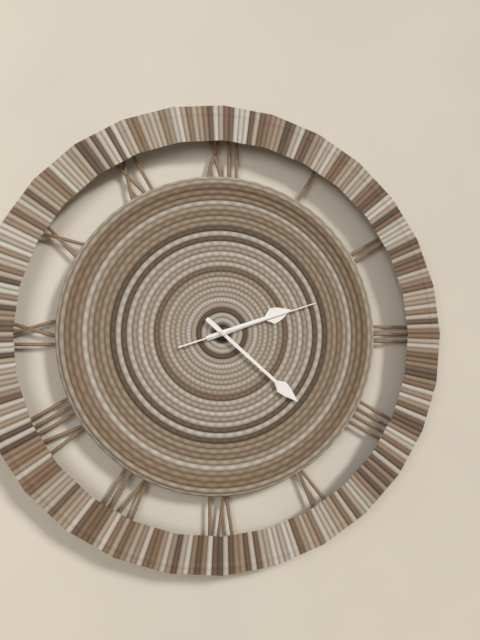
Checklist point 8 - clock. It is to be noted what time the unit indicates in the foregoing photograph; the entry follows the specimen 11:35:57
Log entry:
2:22:12
